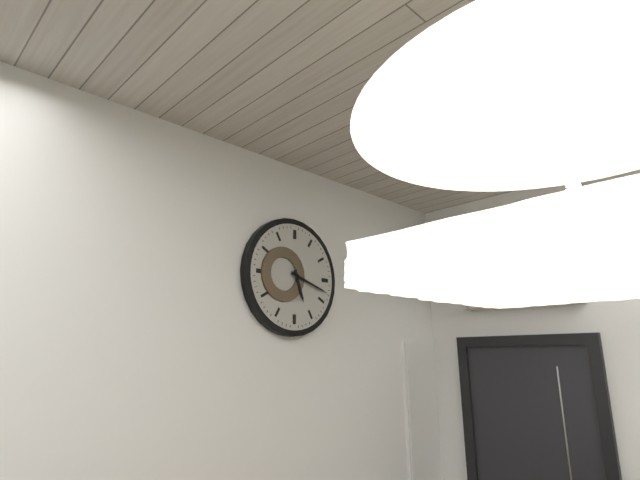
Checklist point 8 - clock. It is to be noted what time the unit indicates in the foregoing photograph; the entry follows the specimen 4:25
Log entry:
5:18
